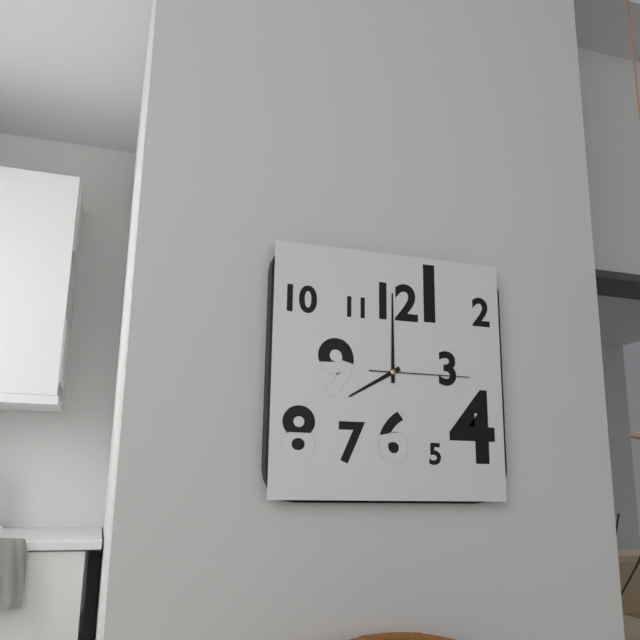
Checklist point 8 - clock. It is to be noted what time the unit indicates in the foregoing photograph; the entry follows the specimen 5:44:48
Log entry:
8:00:15
